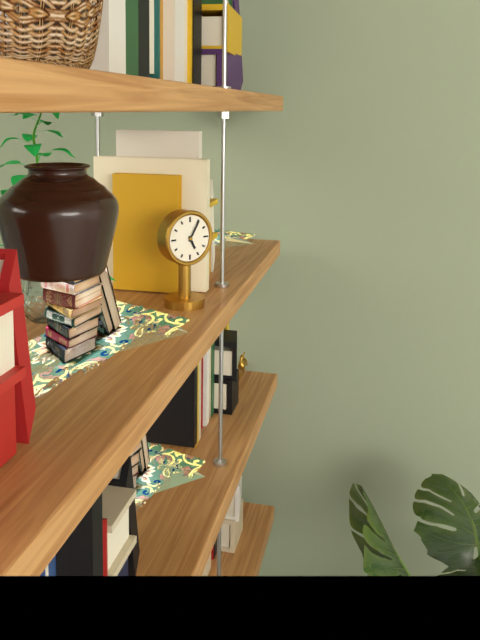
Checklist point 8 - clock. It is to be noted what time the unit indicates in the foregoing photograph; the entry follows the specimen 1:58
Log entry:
5:05
